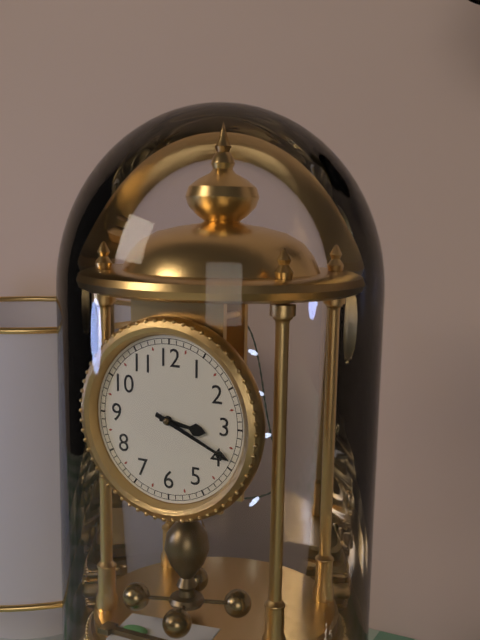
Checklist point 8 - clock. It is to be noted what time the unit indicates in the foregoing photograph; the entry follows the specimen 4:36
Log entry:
3:19
